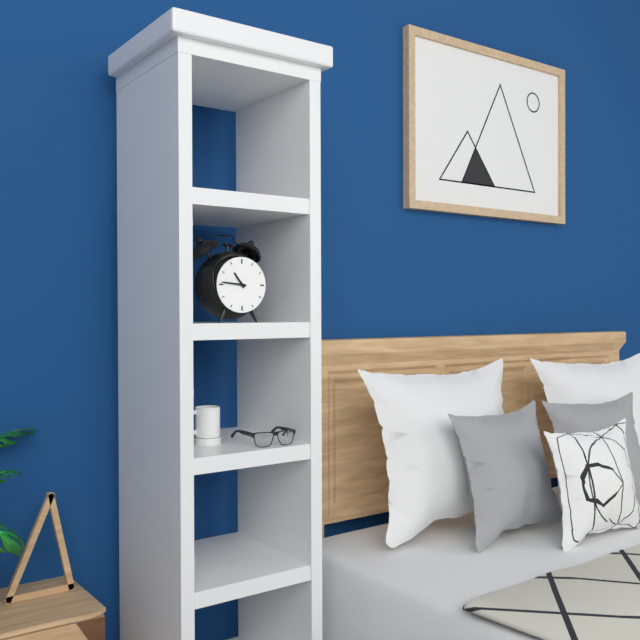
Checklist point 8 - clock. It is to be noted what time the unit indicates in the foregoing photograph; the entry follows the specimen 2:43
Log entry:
10:46
